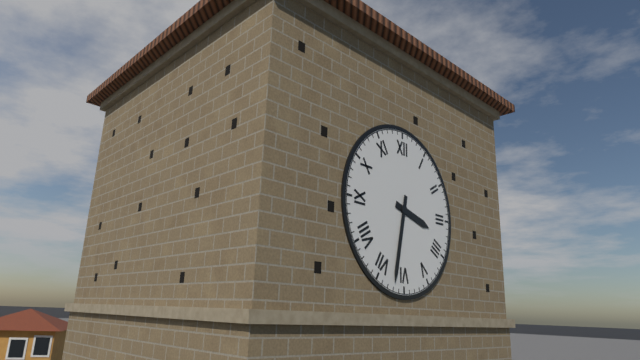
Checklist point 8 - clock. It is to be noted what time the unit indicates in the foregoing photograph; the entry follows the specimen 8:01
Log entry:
3:32
